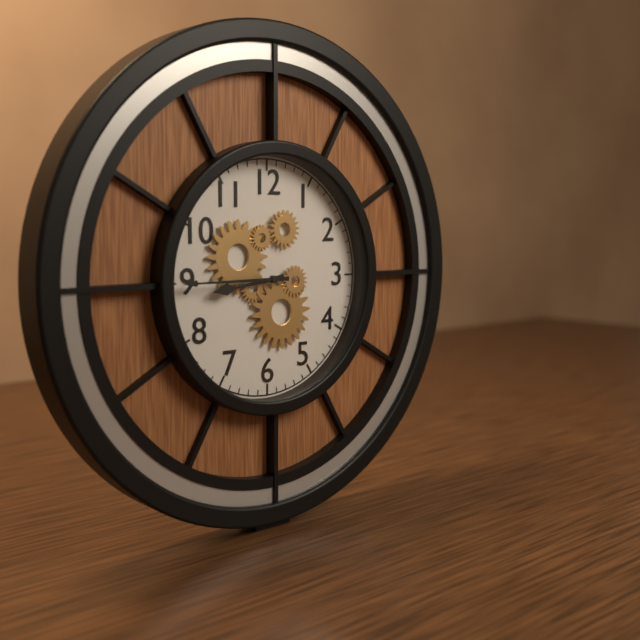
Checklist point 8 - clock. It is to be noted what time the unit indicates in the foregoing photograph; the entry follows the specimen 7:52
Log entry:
8:45
